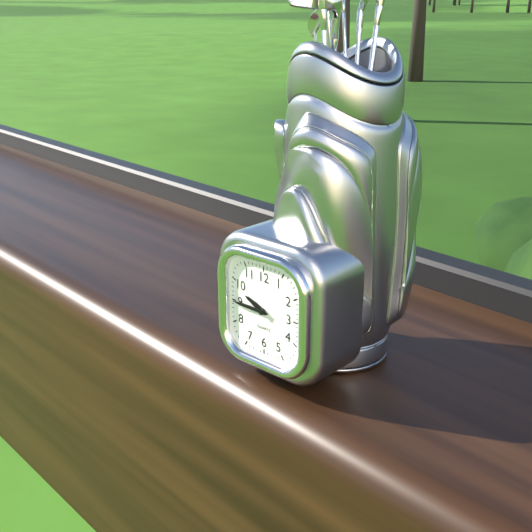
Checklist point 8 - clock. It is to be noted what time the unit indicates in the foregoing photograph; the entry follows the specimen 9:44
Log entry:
9:45
